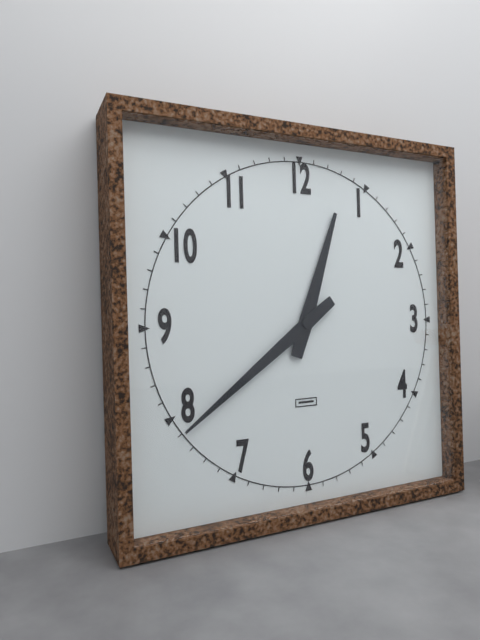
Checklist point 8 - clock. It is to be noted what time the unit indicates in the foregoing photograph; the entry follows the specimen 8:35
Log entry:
12:39
